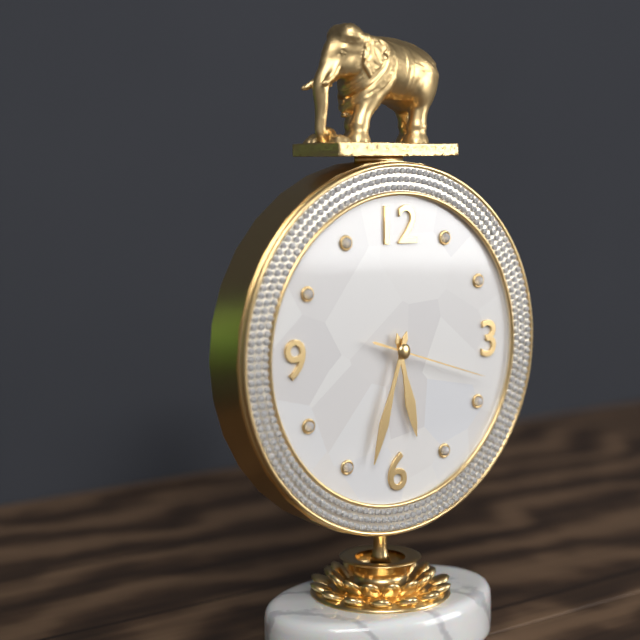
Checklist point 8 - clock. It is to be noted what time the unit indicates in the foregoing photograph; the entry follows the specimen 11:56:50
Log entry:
5:33:18
